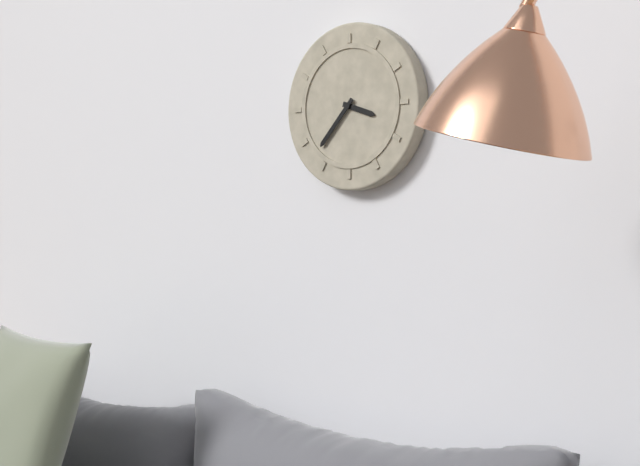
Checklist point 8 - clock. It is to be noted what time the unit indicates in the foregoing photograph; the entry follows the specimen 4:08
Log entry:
3:37
